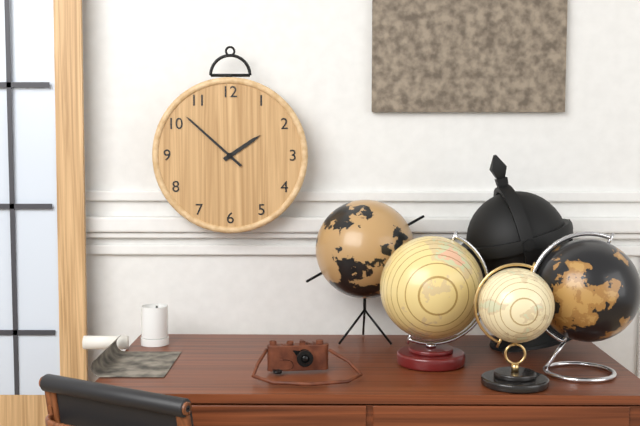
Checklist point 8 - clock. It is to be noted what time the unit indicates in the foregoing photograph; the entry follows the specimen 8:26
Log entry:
1:52
